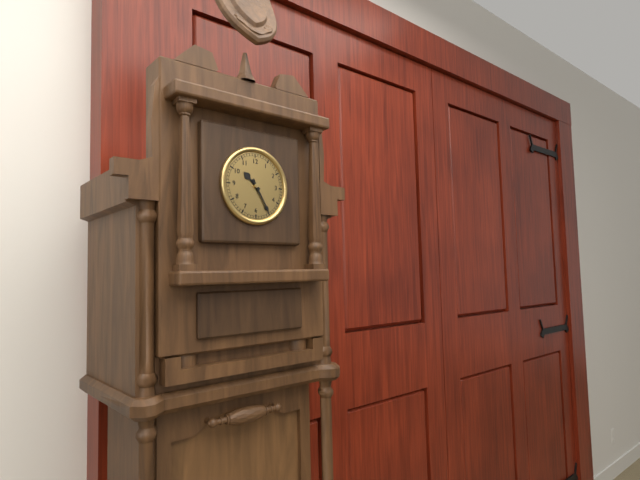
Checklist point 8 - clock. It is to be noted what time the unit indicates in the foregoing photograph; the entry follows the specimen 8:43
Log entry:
10:25
